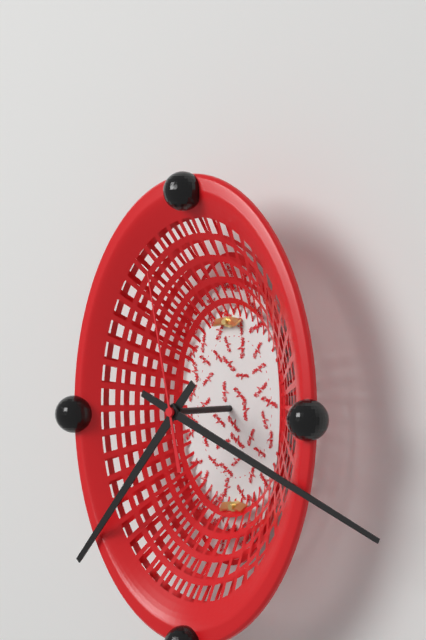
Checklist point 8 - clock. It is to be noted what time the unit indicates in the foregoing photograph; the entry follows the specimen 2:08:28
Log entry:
7:19:58
